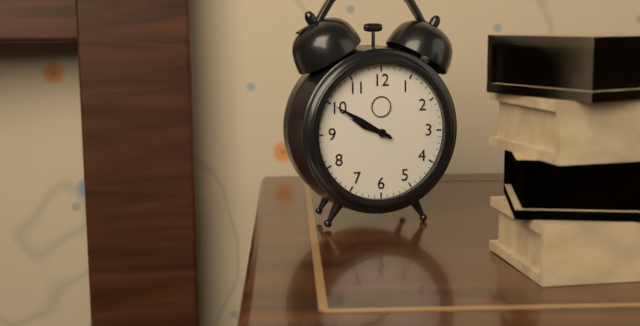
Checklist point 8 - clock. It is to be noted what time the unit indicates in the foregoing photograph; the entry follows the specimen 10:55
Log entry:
9:50
